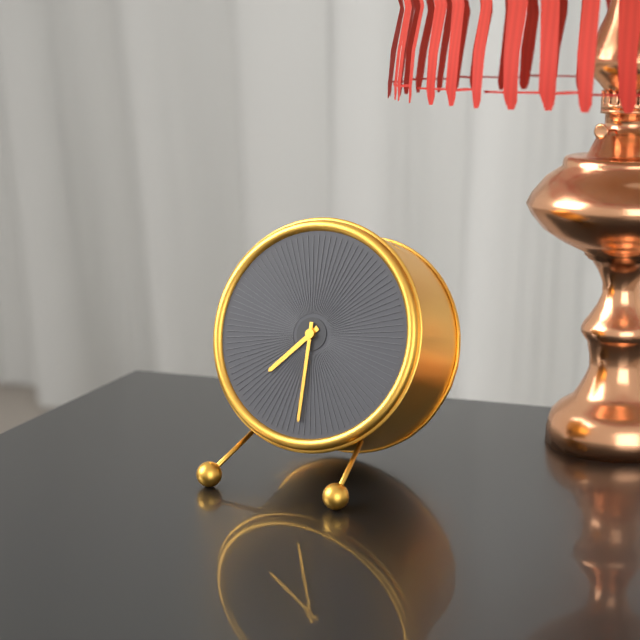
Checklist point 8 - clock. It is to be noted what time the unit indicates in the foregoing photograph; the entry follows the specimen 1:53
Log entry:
7:30
